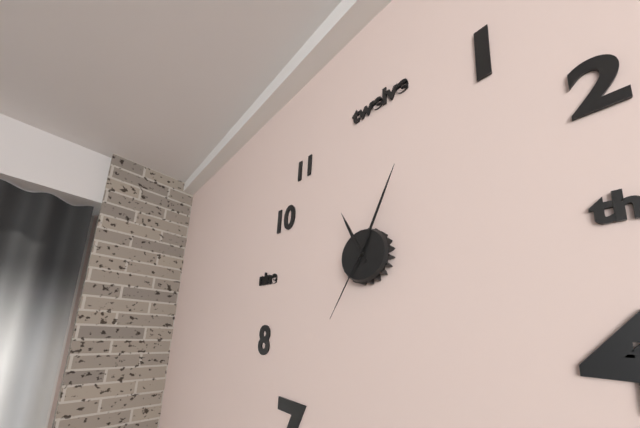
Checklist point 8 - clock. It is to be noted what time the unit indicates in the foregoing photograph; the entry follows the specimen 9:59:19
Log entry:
11:04:35
